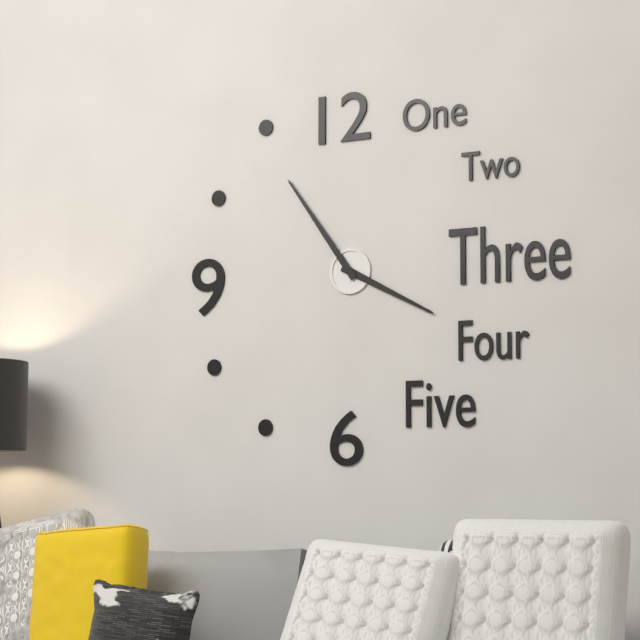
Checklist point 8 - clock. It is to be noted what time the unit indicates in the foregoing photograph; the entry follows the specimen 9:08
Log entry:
3:54
